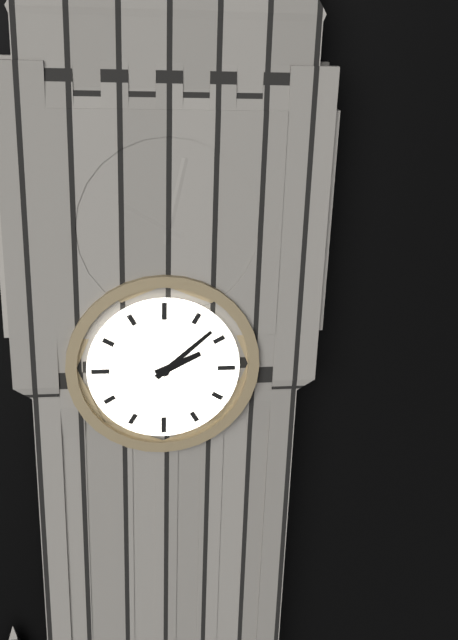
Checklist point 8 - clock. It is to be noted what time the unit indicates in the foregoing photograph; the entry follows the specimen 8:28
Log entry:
2:08
